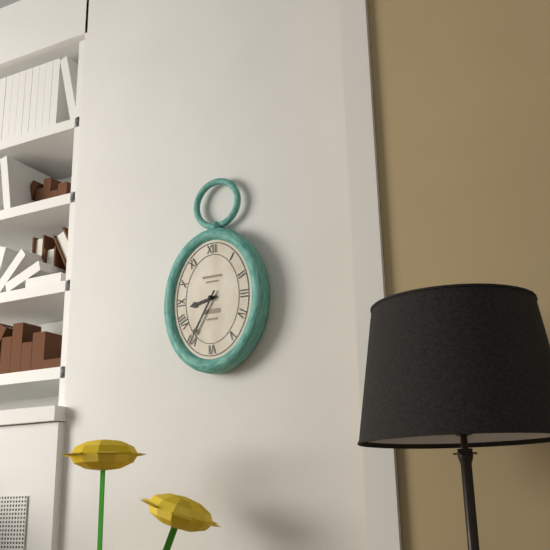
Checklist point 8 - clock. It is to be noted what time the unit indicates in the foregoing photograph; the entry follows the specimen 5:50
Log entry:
8:35
